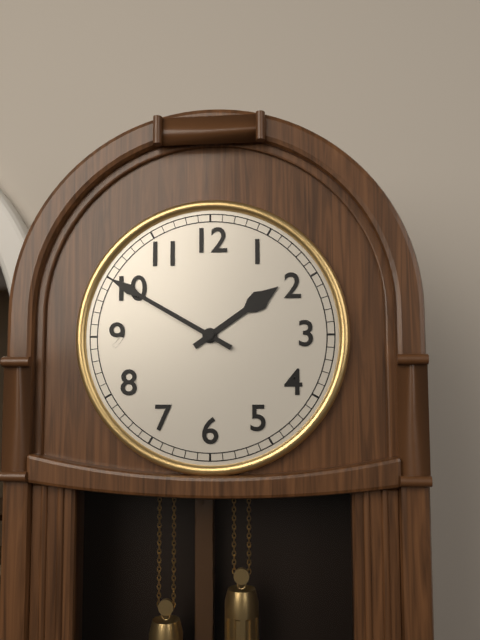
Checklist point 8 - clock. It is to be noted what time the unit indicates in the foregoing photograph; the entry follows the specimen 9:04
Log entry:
1:50
